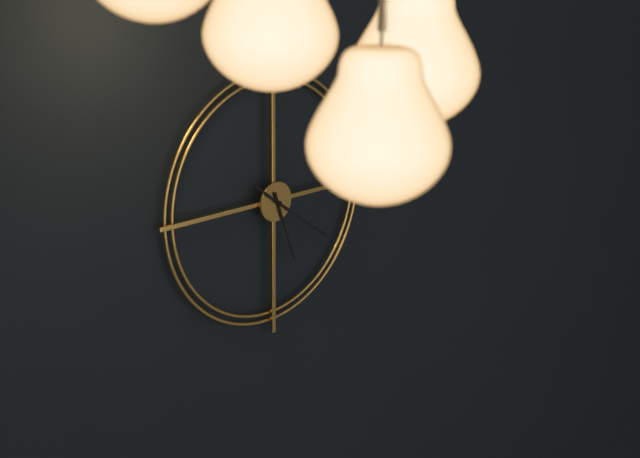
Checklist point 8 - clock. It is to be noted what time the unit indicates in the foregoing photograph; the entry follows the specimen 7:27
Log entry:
5:21
